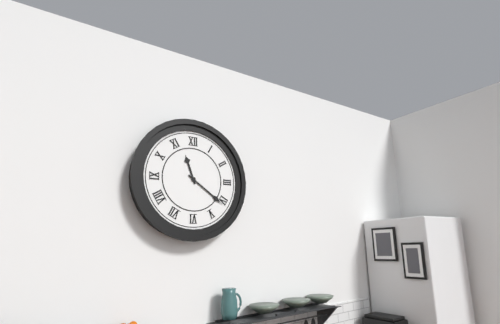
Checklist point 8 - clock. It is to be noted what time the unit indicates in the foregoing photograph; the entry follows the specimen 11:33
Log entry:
11:21
